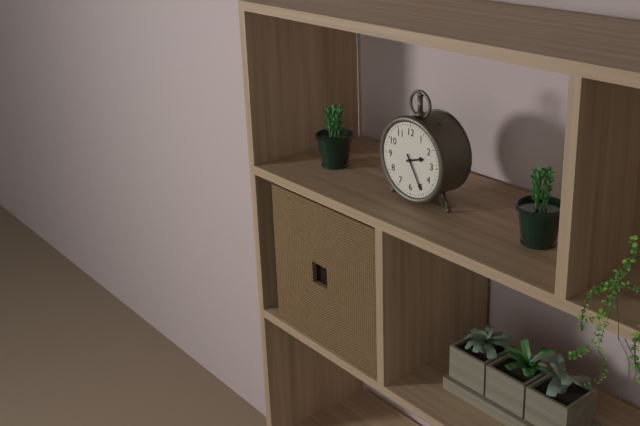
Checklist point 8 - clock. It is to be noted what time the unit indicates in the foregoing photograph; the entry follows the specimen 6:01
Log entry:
2:25
